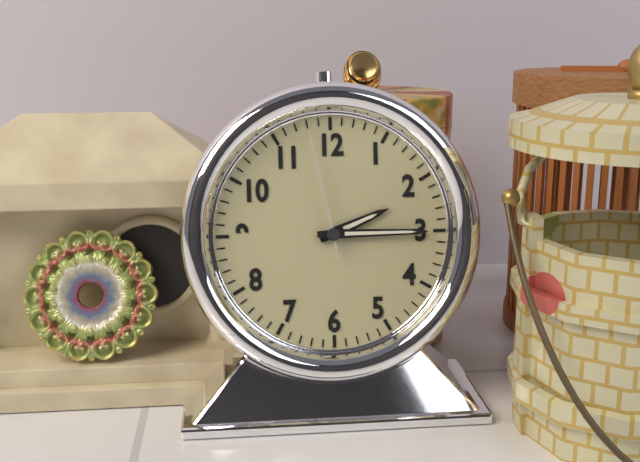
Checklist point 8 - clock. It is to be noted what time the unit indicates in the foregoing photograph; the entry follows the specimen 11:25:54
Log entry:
2:15:58
